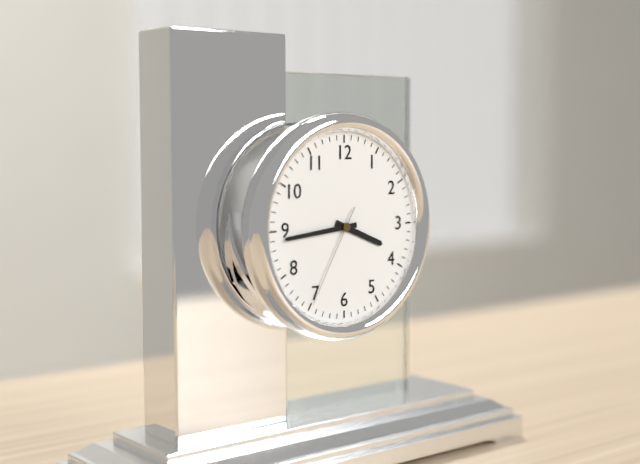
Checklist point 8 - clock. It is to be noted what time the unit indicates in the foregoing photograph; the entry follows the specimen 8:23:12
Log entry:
3:44:35
